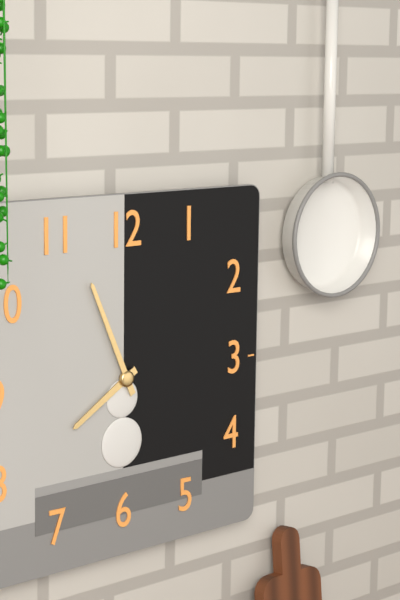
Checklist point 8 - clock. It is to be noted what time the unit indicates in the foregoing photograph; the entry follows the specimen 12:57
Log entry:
7:56
